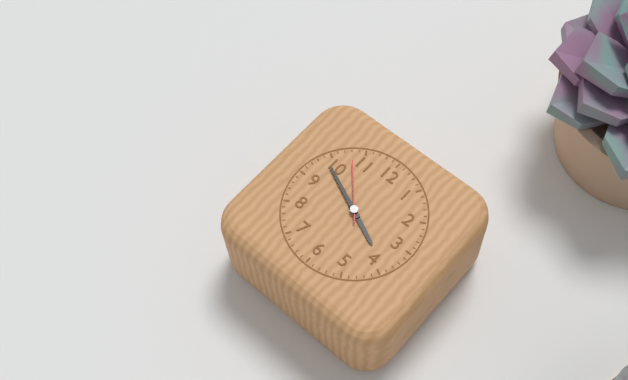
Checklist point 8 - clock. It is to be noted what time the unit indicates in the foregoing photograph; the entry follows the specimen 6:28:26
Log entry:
3:49:53
